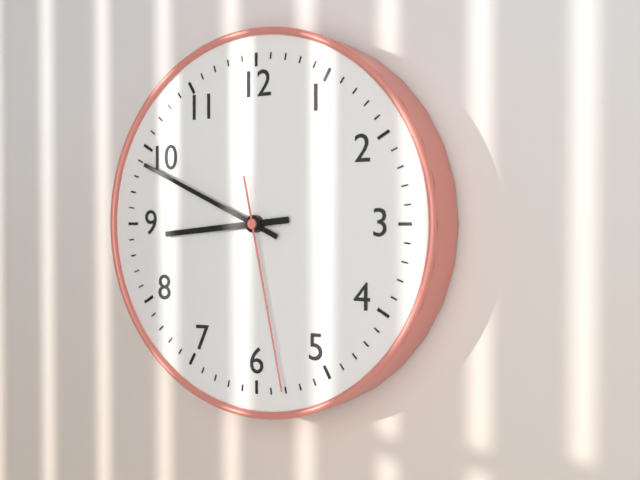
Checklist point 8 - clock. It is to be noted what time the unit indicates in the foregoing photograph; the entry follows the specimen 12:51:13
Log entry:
8:49:28
